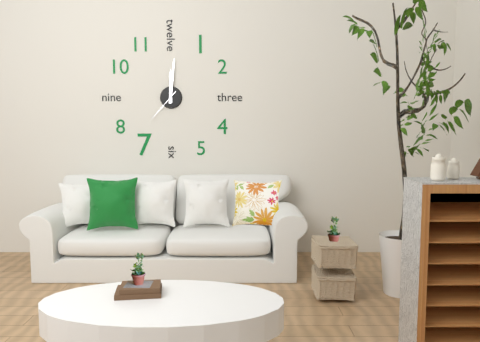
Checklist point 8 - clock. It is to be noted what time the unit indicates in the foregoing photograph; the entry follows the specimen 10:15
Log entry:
12:01
